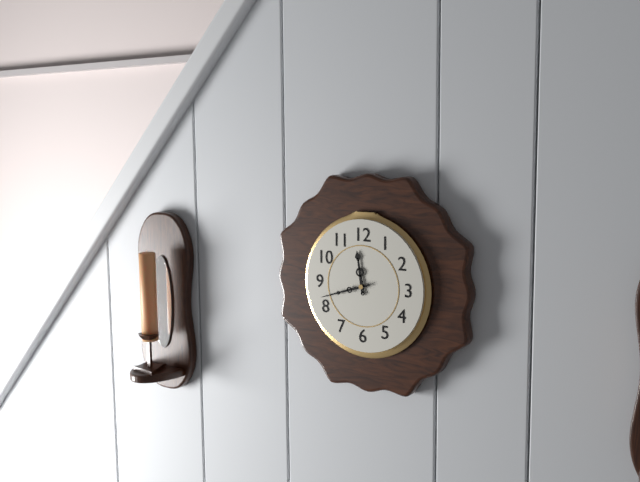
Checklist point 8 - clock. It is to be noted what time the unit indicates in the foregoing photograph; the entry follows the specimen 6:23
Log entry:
11:42
